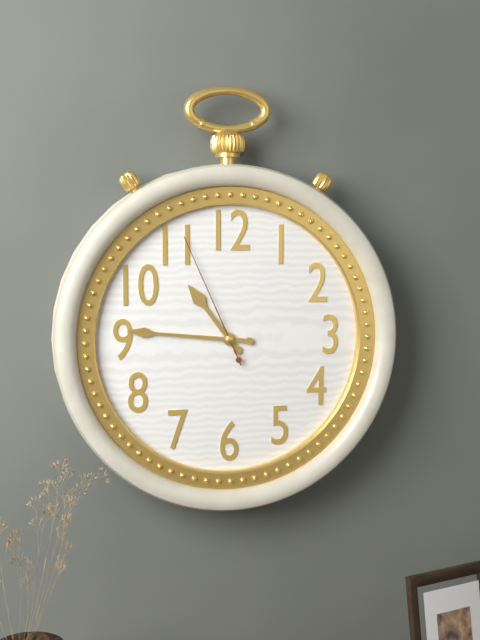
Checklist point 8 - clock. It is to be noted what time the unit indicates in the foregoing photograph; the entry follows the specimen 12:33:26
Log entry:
10:46:56
